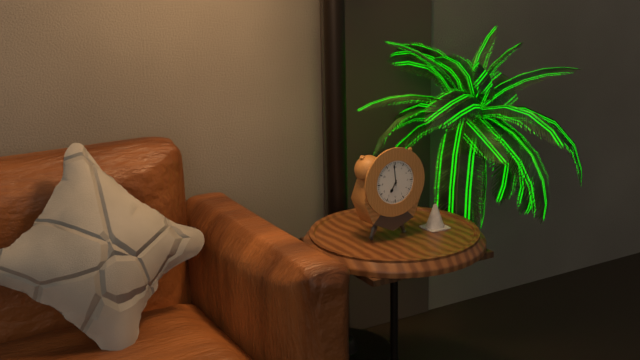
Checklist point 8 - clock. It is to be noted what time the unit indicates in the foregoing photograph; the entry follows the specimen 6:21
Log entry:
6:59
